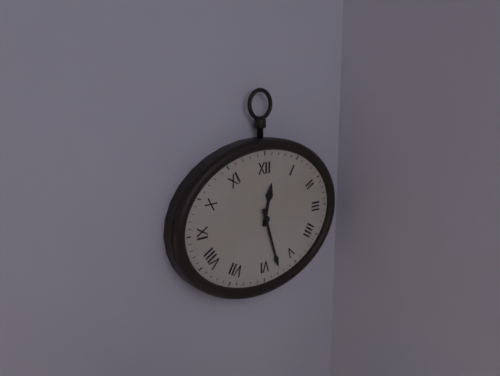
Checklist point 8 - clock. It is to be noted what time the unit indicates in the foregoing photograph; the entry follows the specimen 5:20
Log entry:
12:27
